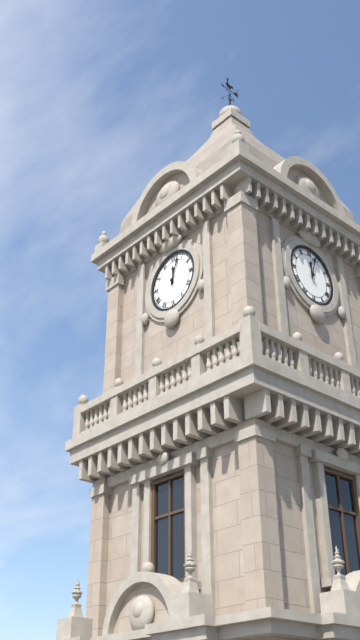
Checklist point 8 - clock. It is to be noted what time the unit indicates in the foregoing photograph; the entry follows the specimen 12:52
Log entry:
12:03
